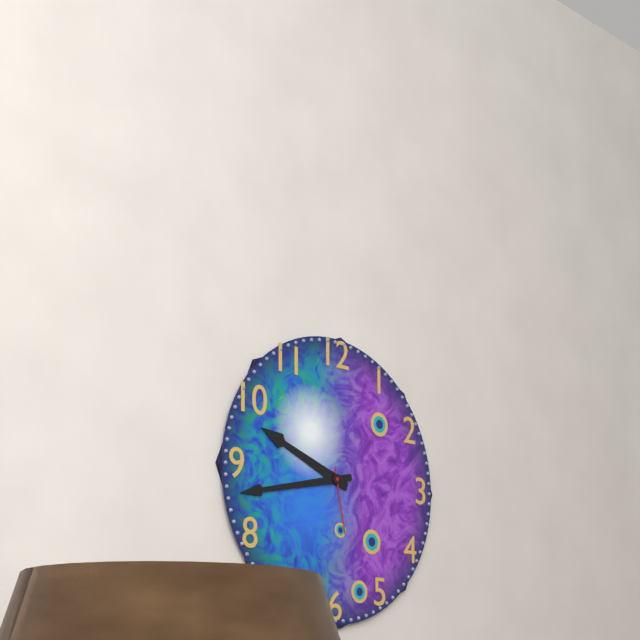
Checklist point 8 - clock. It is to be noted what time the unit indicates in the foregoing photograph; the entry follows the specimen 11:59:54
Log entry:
9:43:28
